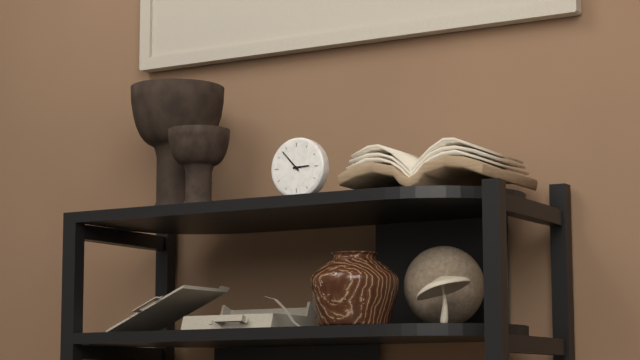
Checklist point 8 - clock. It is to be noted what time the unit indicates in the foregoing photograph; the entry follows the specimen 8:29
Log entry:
2:53
